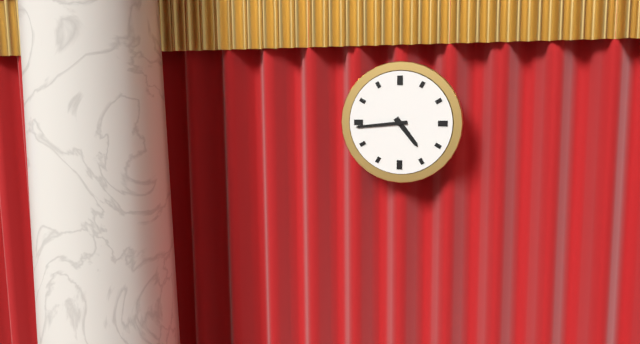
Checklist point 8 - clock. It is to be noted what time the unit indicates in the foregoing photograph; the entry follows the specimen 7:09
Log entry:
4:44
